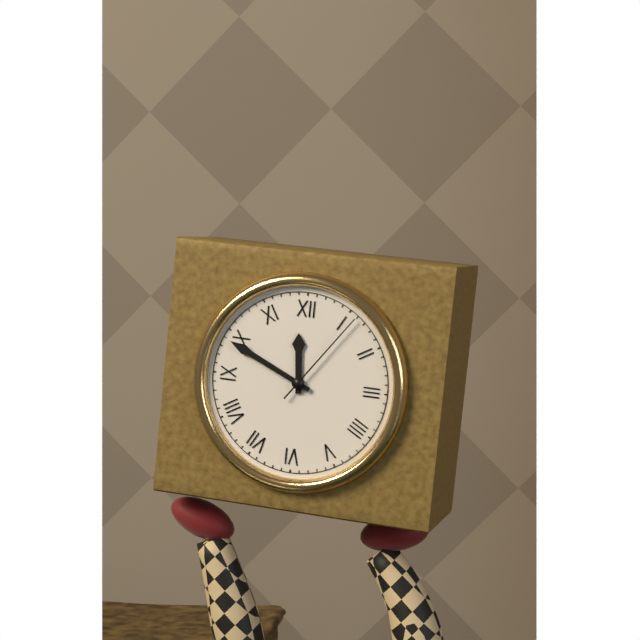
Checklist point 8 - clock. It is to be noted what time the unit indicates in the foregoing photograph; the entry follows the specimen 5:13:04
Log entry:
11:49:06
